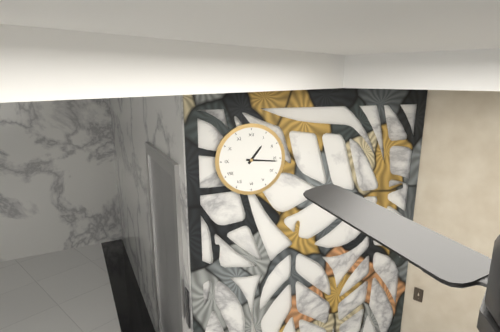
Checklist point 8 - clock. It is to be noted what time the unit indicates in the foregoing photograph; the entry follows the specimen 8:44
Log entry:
1:16
